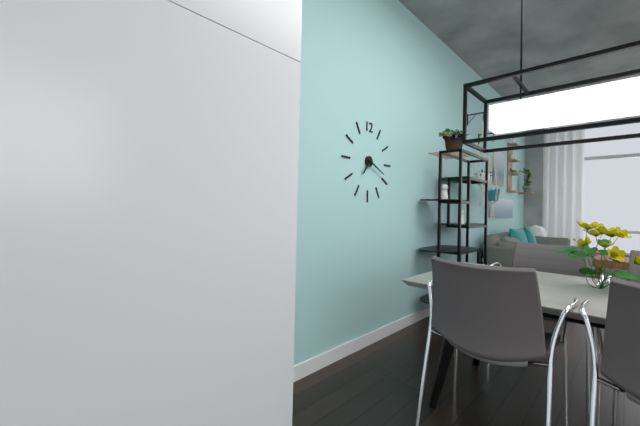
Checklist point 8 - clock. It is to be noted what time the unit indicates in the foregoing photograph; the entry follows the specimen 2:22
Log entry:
7:19
